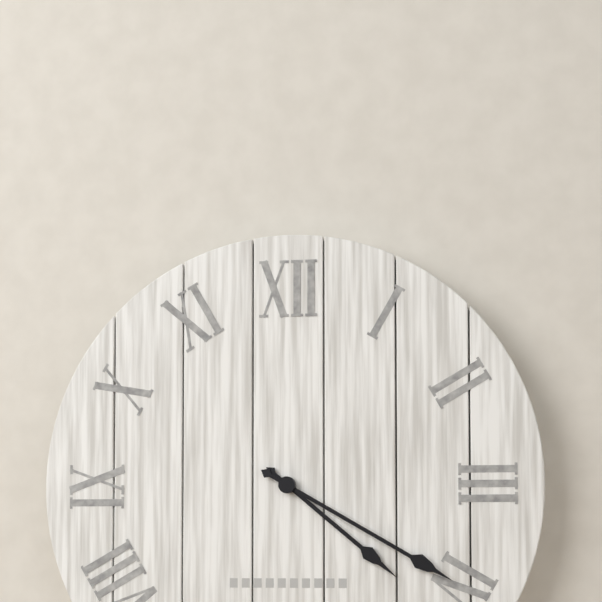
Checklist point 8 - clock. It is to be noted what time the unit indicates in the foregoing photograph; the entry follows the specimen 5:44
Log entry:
4:20
